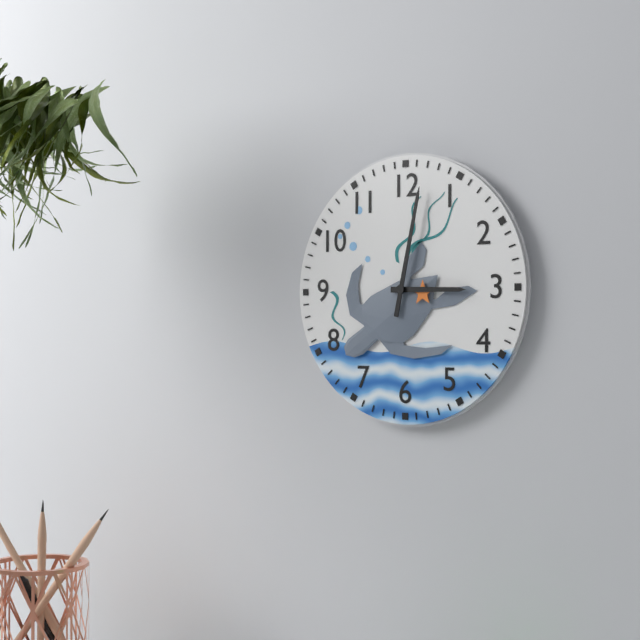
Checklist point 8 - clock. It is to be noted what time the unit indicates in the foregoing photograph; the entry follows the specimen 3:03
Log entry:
3:02
